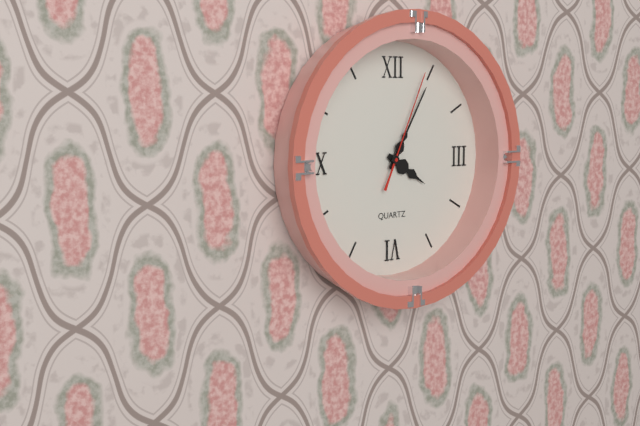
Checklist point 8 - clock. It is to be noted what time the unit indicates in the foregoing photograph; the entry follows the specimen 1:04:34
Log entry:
4:05:04
